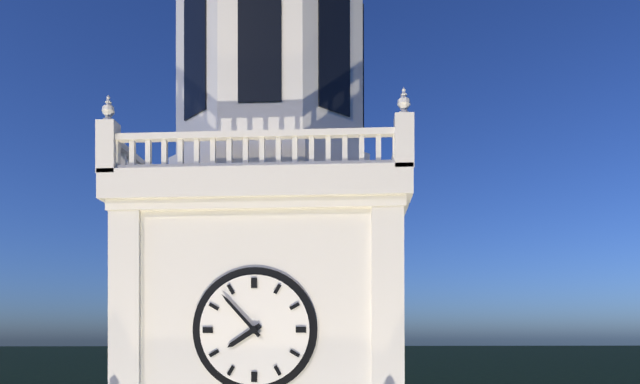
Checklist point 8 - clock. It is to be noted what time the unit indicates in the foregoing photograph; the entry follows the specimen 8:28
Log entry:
7:53
